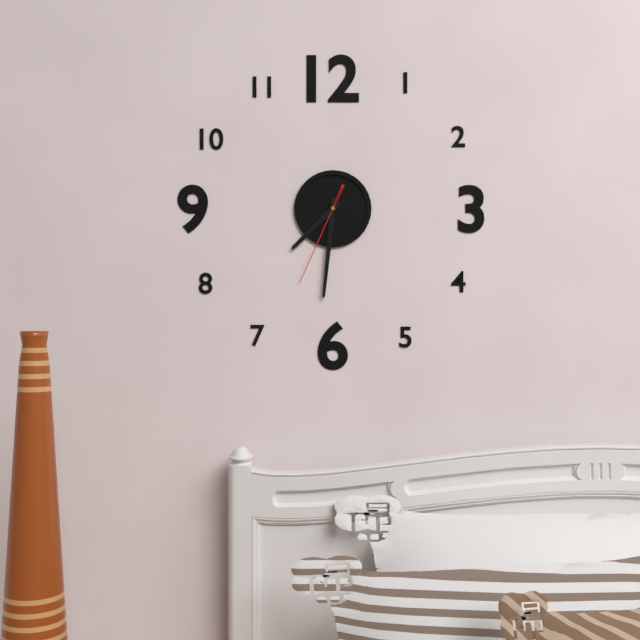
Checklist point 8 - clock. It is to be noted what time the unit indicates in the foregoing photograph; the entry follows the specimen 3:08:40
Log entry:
7:31:34
